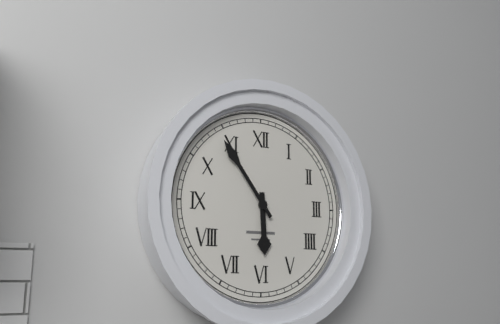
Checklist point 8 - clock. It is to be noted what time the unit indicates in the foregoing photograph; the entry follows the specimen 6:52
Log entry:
5:54
